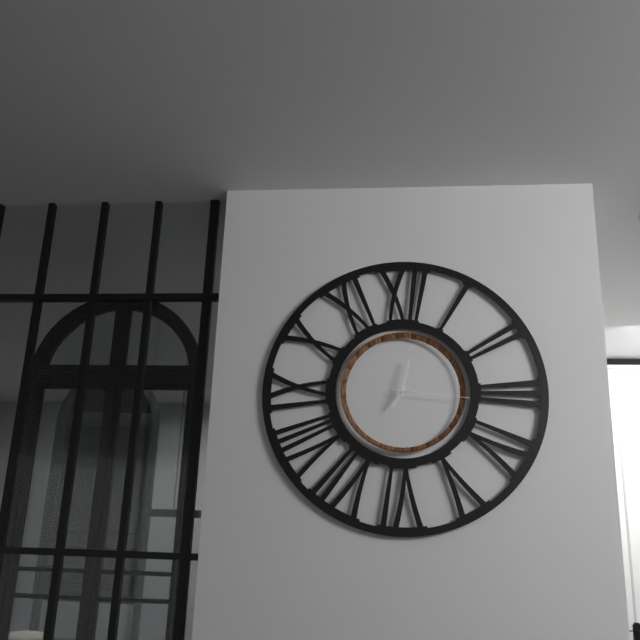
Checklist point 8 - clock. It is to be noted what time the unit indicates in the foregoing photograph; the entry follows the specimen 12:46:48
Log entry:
7:02:16
